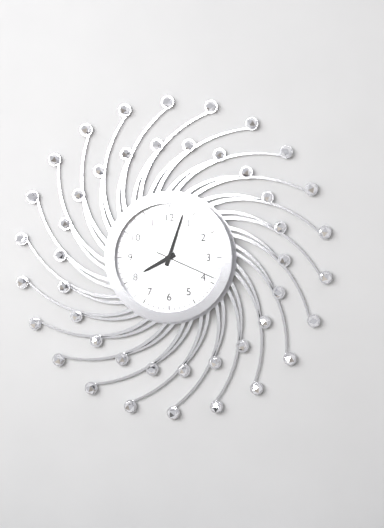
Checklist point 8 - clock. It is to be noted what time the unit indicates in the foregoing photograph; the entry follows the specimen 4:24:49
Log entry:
8:03:19
